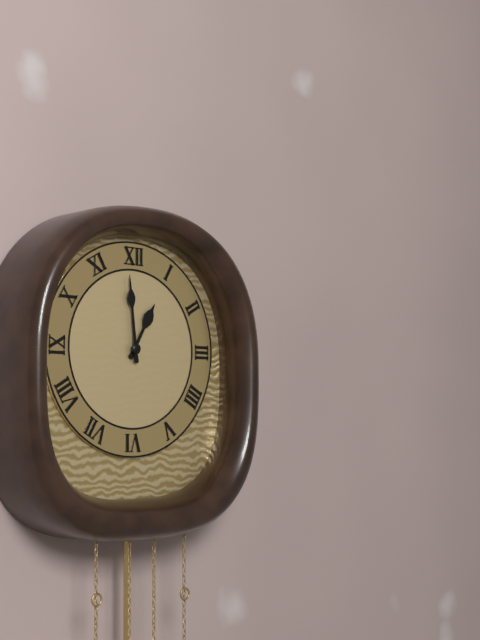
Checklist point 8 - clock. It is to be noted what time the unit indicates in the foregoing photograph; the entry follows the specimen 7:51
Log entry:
12:59
